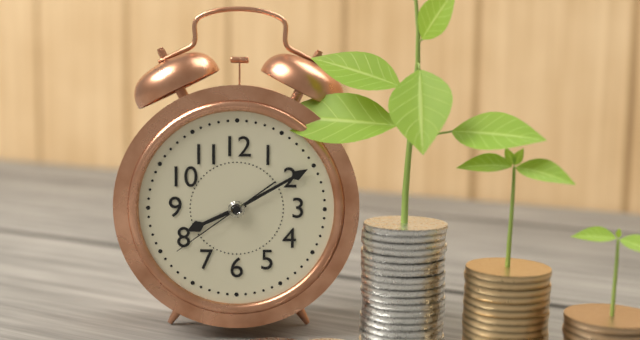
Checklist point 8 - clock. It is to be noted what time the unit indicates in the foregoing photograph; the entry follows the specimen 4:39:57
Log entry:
8:10:39
